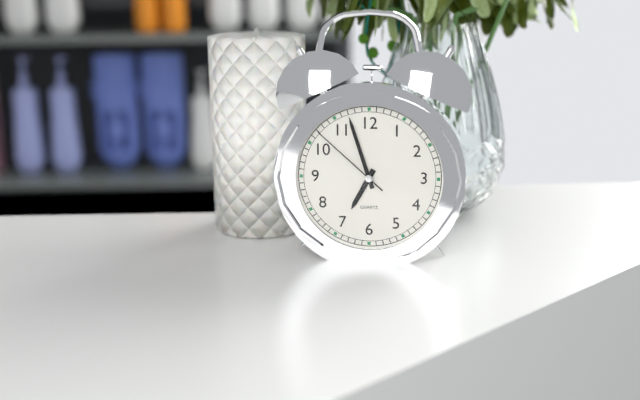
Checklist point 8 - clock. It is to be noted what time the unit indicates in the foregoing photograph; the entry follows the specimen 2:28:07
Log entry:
6:57:52
